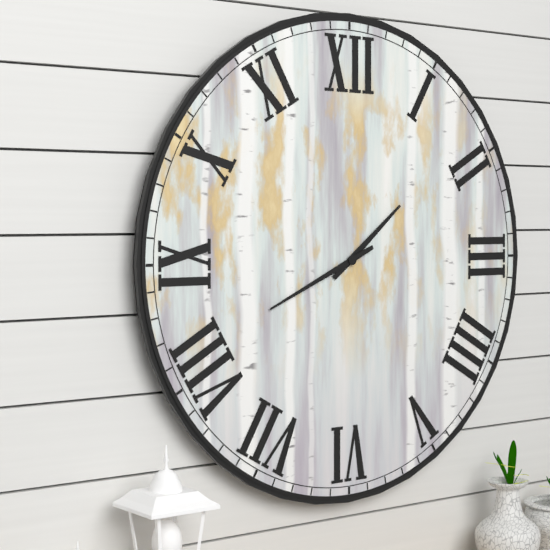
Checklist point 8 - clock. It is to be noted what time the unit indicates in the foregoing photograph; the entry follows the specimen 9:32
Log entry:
1:41
